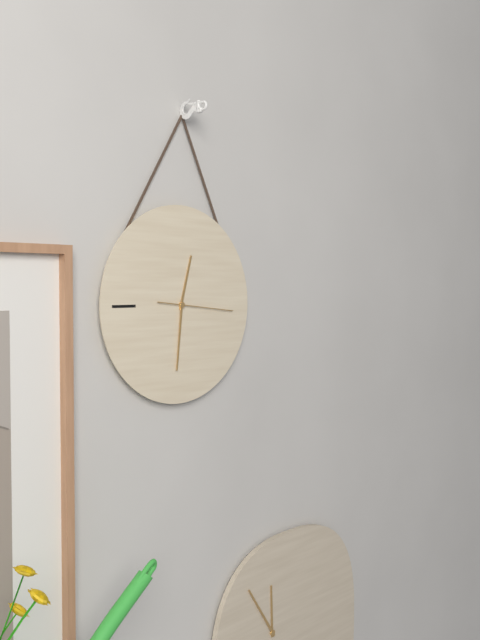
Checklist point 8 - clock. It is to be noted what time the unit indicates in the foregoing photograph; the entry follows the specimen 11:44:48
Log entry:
12:31:16
